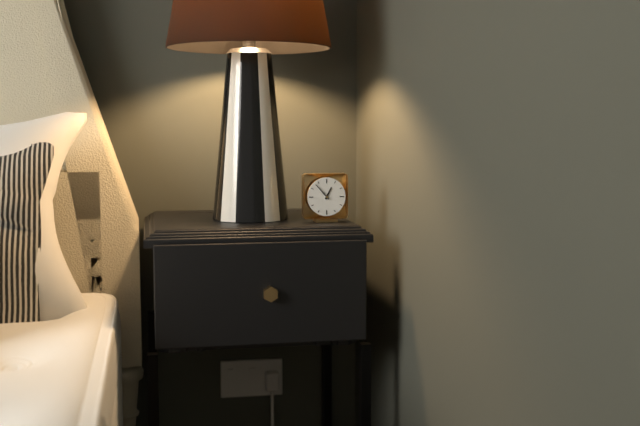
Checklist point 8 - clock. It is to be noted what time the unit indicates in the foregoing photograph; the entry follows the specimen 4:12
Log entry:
12:53
